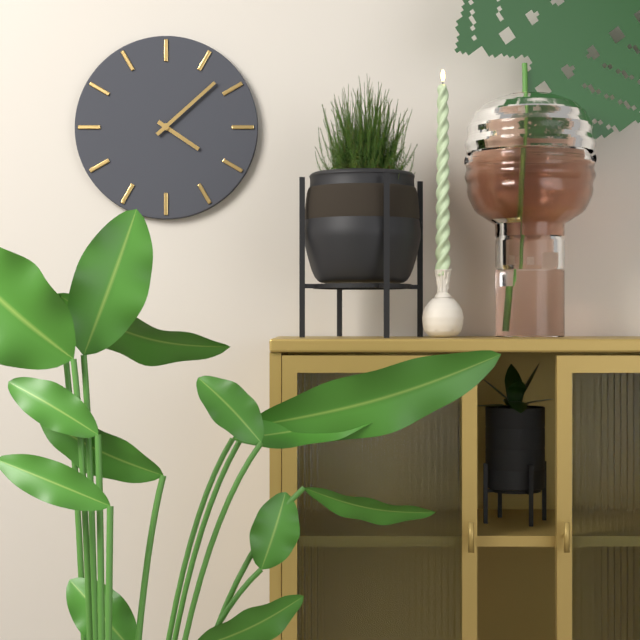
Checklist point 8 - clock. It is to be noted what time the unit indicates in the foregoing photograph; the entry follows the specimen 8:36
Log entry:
4:08
